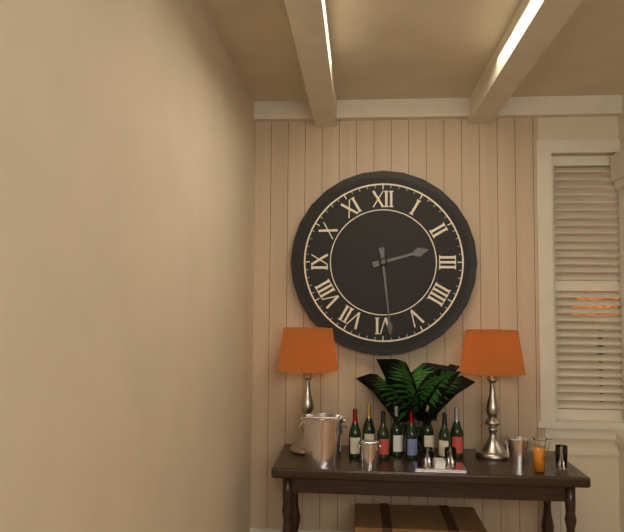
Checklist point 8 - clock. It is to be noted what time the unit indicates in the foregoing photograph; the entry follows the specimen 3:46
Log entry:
2:29
